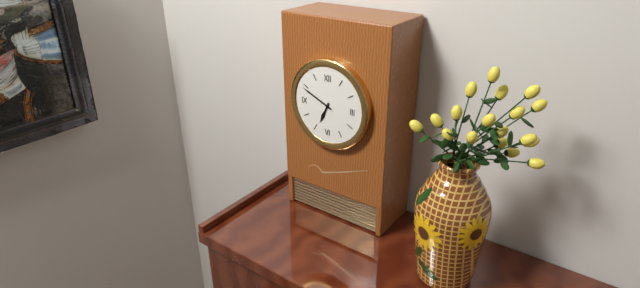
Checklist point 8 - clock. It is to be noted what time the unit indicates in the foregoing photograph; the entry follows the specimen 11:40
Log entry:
6:49
